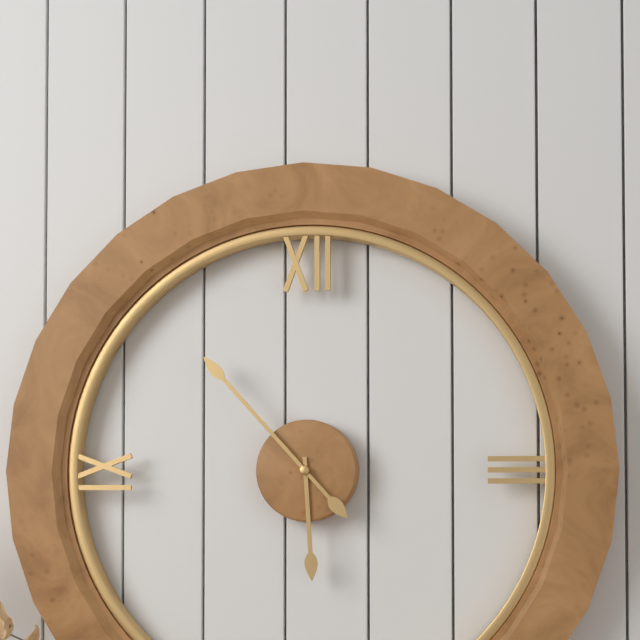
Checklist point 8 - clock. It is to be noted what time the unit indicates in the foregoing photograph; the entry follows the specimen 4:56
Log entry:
5:53
